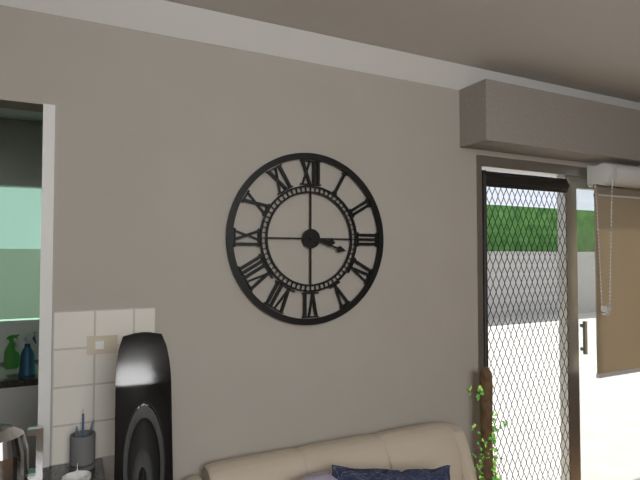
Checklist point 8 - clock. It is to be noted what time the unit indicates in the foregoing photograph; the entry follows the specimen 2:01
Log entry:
3:18
